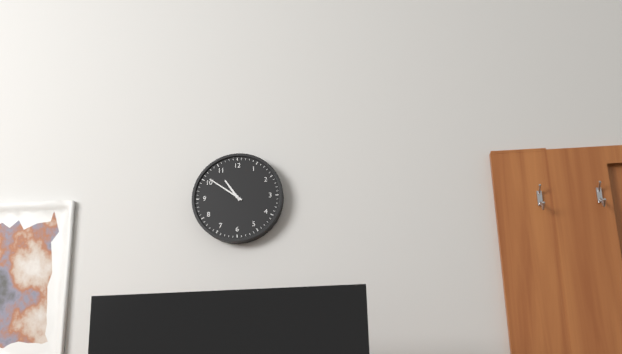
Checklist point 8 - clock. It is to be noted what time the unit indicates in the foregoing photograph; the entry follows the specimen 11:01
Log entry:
10:51
